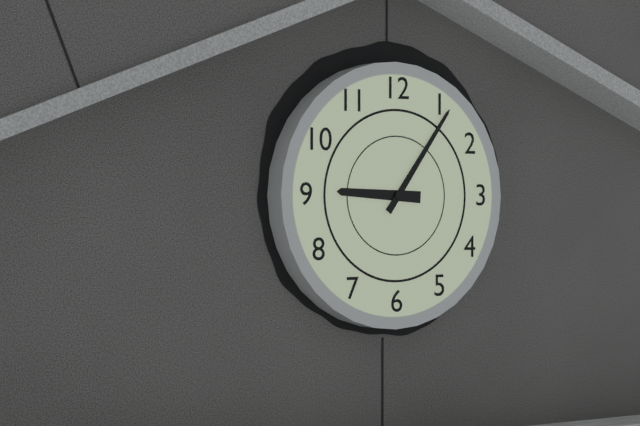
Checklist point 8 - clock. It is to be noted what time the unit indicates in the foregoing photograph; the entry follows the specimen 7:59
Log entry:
9:06
